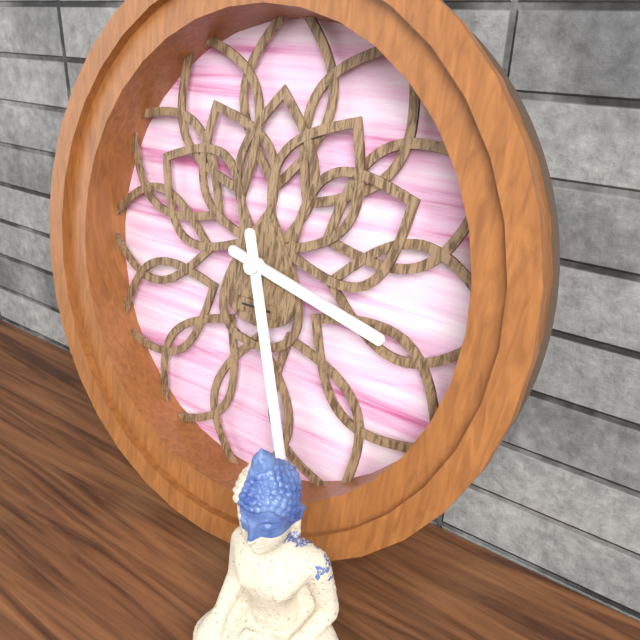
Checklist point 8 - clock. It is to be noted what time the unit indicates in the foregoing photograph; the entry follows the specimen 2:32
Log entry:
3:27
